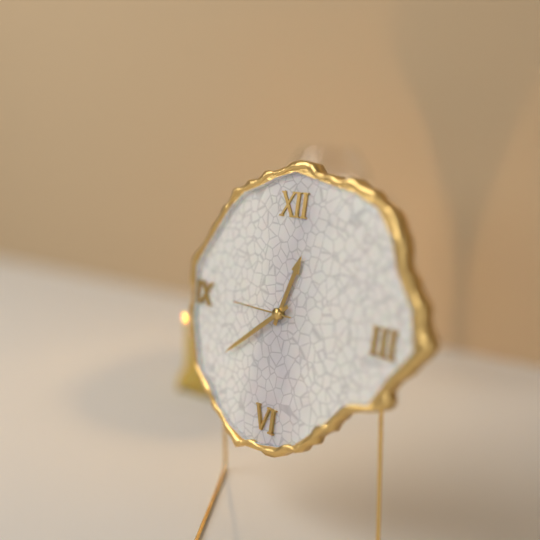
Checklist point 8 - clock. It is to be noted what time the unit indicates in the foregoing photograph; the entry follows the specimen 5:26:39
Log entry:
12:39:45
